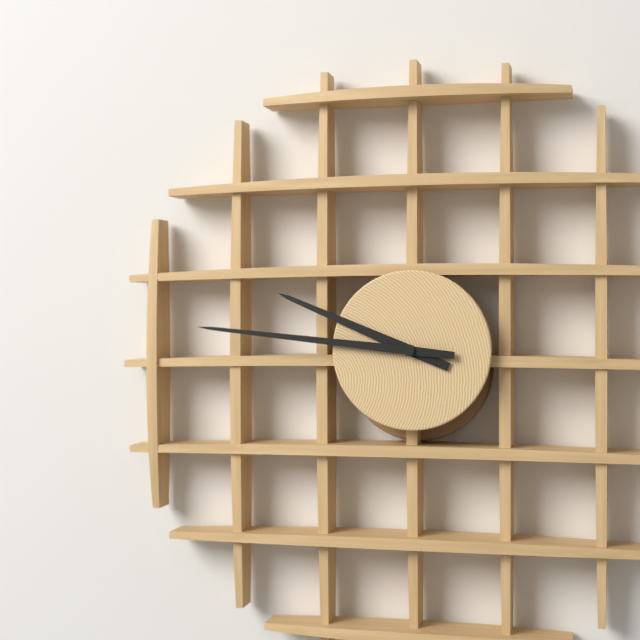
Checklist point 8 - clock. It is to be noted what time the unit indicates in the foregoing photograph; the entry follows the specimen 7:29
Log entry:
9:46
